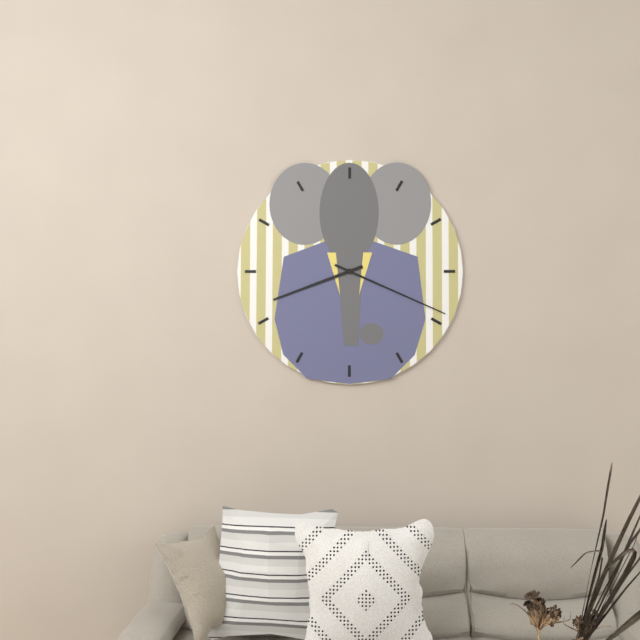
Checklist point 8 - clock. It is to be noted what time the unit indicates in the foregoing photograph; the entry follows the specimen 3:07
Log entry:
8:19
